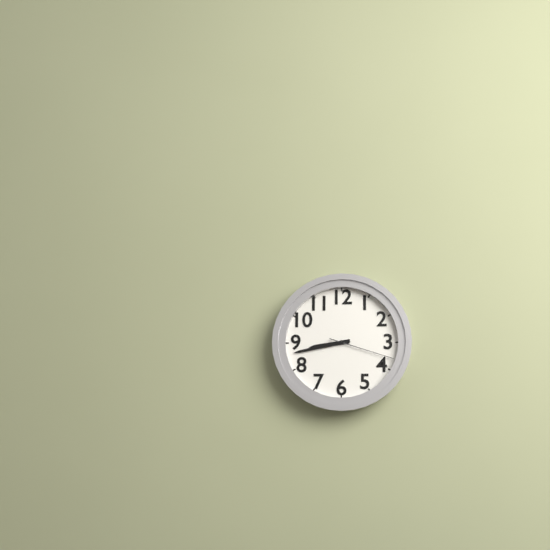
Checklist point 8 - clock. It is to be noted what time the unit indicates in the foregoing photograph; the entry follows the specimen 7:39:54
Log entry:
8:43:18
